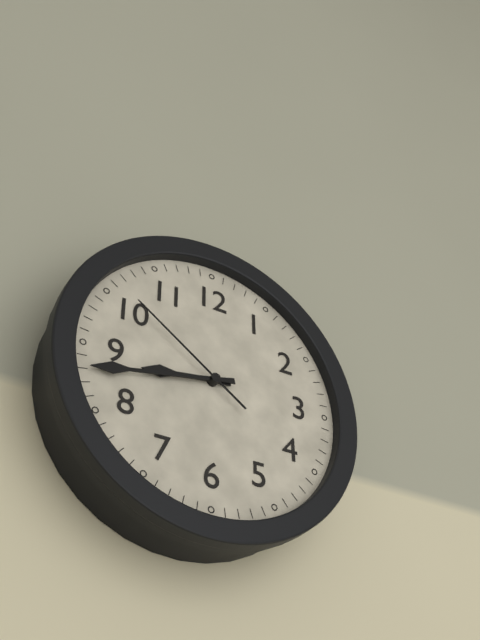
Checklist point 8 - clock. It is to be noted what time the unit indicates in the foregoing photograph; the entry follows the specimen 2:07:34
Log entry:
8:43:51
